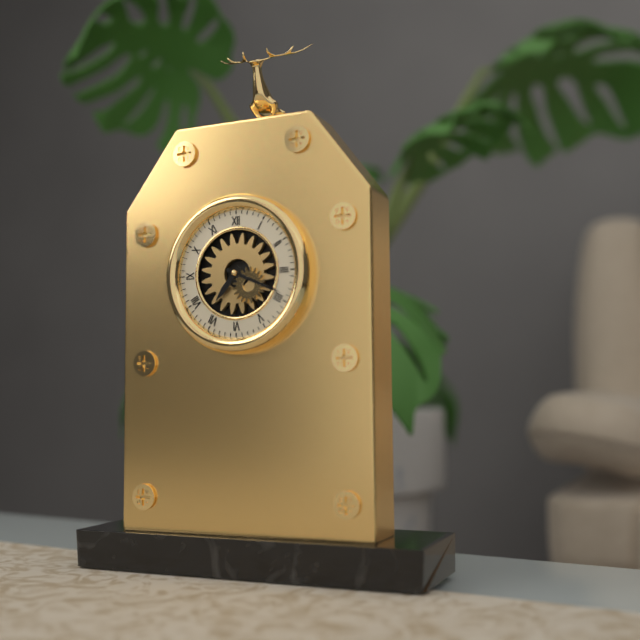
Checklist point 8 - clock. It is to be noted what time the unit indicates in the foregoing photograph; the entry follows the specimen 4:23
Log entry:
7:19
